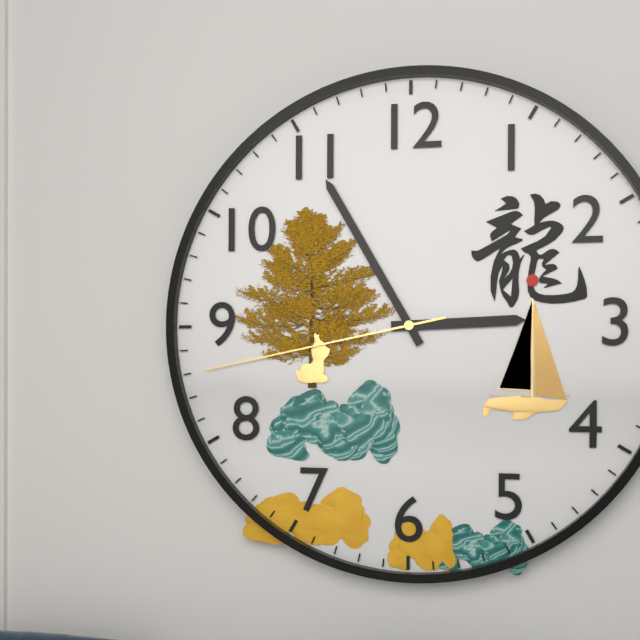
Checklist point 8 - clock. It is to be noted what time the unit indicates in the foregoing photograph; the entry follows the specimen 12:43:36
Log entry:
2:55:43
